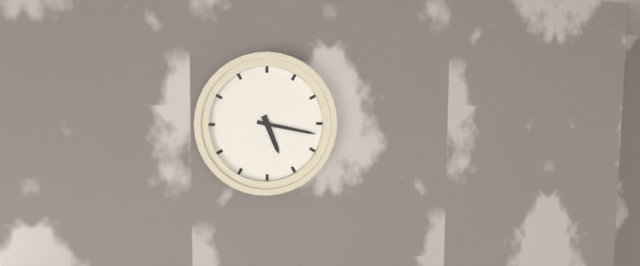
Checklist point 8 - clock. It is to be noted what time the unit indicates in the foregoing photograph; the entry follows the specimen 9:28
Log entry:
5:17
